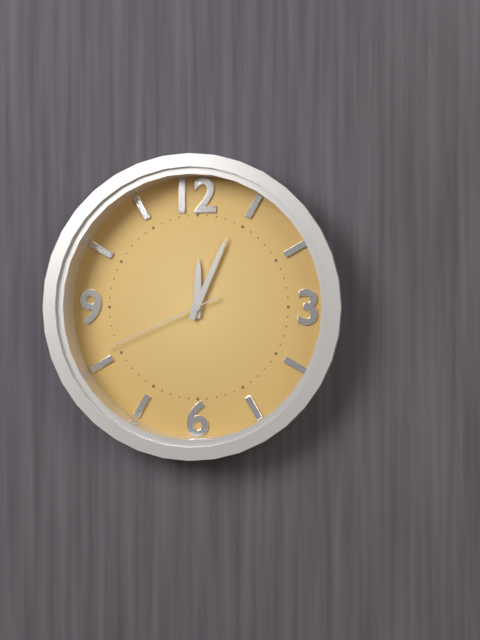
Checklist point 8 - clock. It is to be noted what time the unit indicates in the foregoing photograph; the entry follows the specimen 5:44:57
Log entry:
12:04:41
